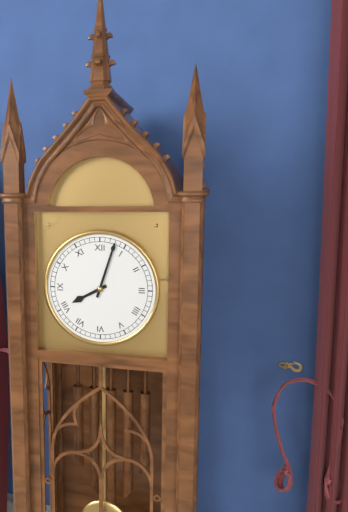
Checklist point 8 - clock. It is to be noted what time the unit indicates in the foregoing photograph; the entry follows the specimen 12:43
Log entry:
8:03
